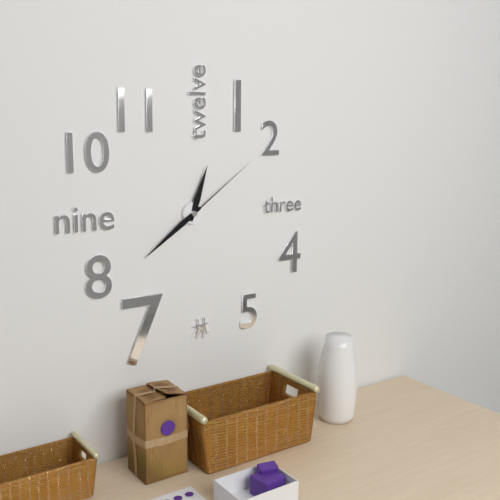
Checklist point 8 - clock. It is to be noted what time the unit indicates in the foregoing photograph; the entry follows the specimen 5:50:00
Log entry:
12:39:09
